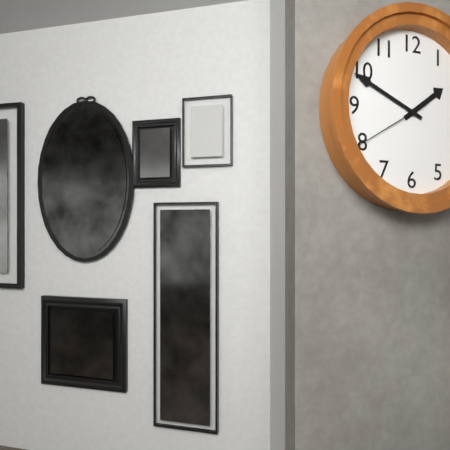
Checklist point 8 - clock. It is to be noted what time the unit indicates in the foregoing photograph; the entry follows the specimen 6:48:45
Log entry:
1:49:40
